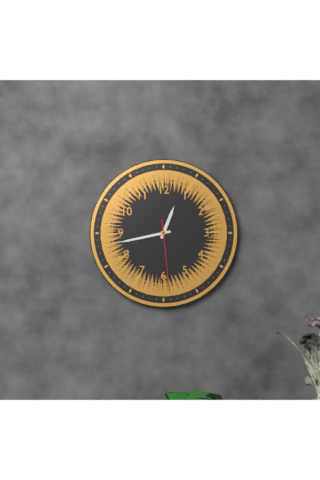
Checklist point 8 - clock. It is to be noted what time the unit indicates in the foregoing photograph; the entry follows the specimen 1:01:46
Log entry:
12:43:29
